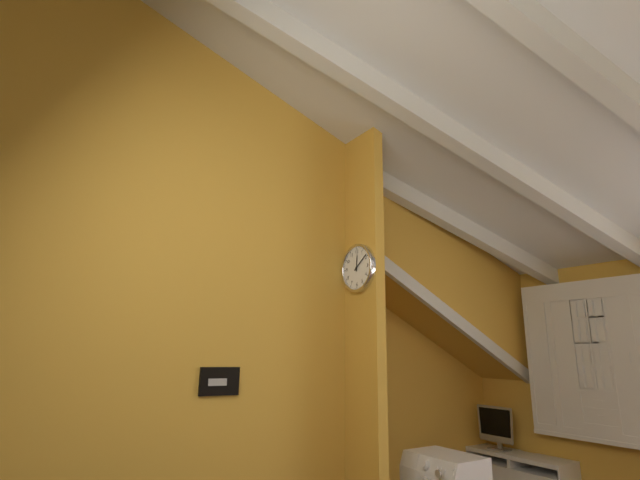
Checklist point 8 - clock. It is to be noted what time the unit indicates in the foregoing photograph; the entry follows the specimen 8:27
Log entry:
12:09
